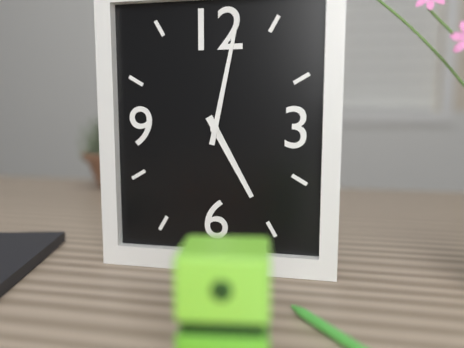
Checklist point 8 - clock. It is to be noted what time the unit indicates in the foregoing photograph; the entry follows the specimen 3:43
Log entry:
5:02
